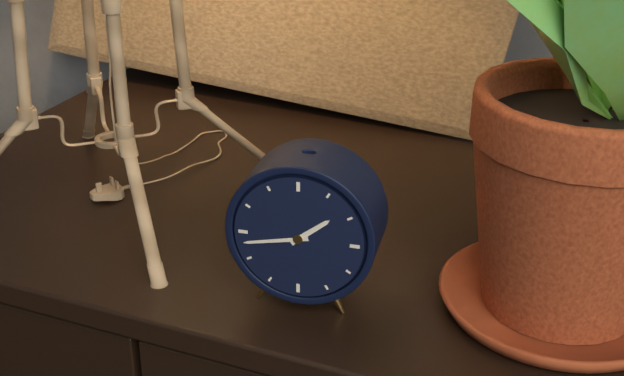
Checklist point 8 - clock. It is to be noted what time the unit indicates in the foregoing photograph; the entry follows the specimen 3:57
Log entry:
1:43
